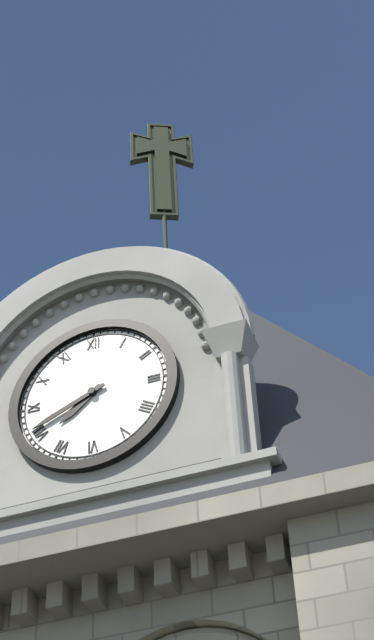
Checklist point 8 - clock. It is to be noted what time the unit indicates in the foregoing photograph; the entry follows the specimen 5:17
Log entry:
7:41
